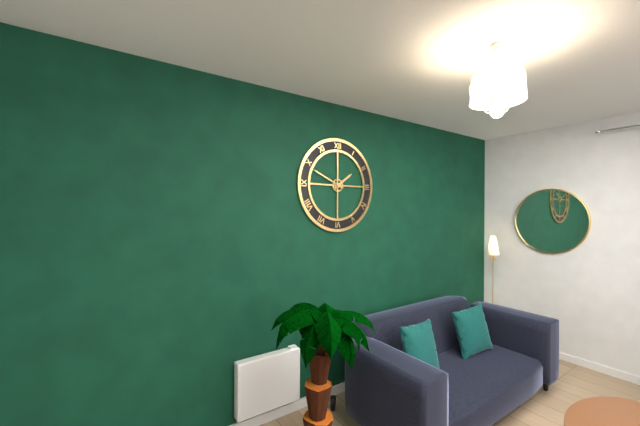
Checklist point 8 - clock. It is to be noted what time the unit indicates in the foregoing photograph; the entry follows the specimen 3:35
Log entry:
1:49
